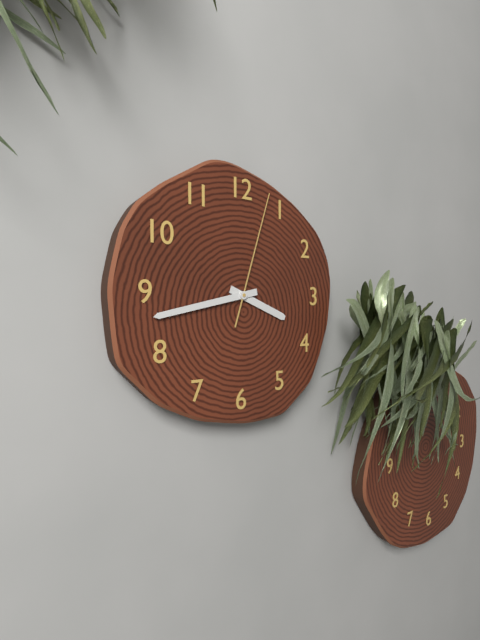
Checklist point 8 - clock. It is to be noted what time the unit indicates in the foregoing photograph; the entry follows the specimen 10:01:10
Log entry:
3:43:03
